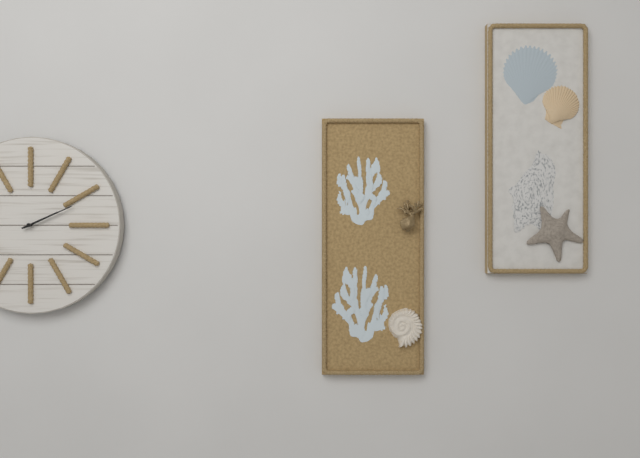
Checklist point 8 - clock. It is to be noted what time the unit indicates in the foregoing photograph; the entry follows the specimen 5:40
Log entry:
2:11
